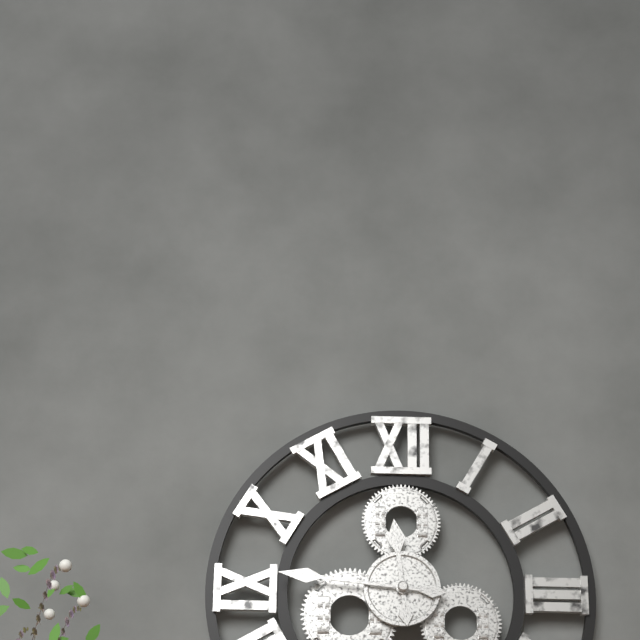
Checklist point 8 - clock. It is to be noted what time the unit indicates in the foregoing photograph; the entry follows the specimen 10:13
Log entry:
11:46
